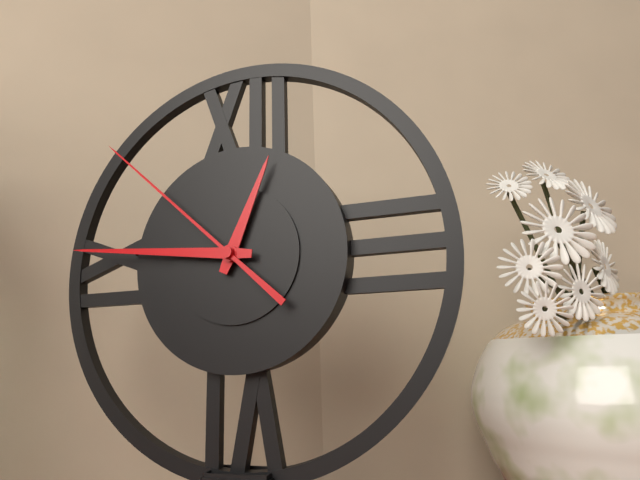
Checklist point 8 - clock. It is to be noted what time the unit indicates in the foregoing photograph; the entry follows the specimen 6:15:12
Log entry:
12:46:52
